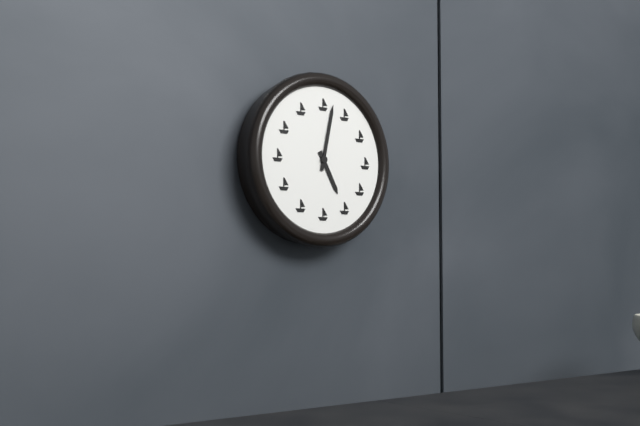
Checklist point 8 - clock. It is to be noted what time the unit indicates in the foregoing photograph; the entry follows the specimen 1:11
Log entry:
5:02
